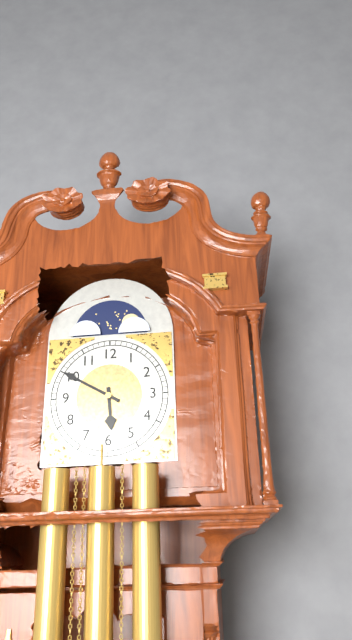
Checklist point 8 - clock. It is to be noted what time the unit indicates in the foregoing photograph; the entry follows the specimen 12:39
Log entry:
5:50
